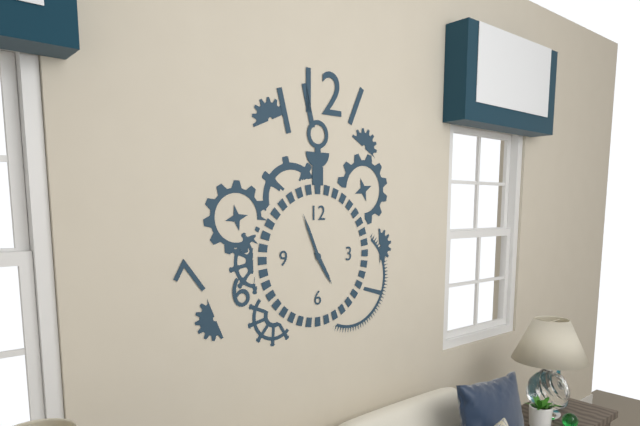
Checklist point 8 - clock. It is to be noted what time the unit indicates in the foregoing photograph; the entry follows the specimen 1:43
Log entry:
4:56
